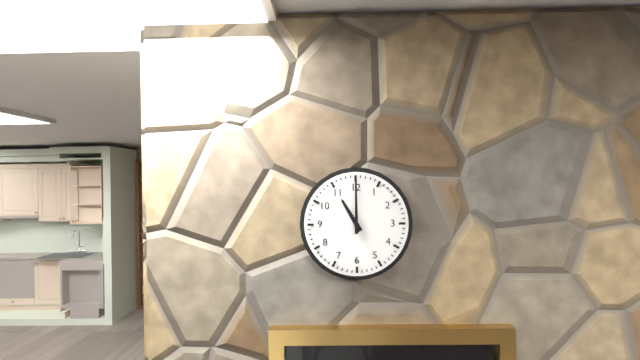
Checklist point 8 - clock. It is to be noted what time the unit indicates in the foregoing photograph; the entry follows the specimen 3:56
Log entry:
11:00
